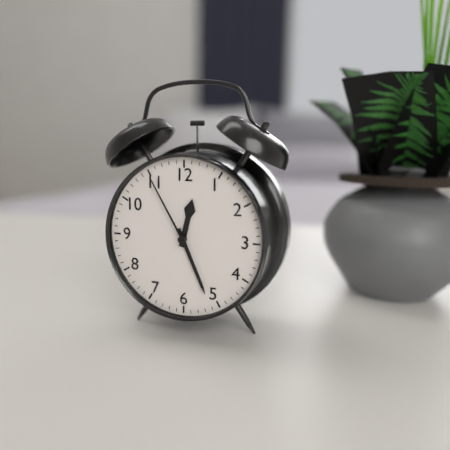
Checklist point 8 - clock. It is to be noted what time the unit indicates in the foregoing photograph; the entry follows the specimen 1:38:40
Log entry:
12:26:55
